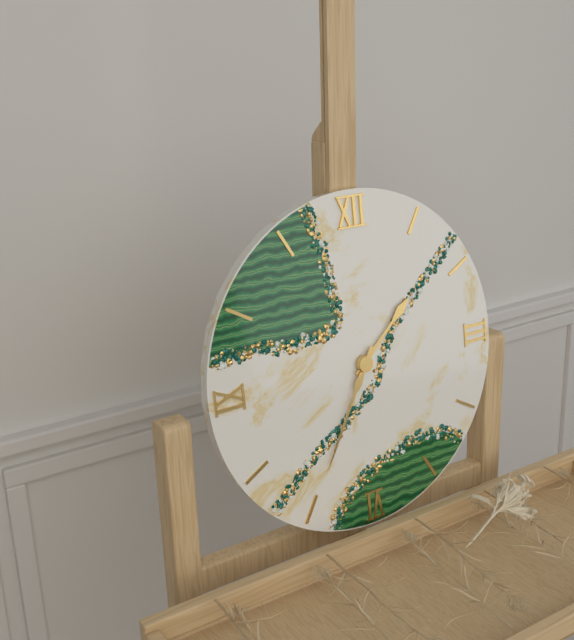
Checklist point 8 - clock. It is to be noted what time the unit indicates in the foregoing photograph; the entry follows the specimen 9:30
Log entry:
1:35
